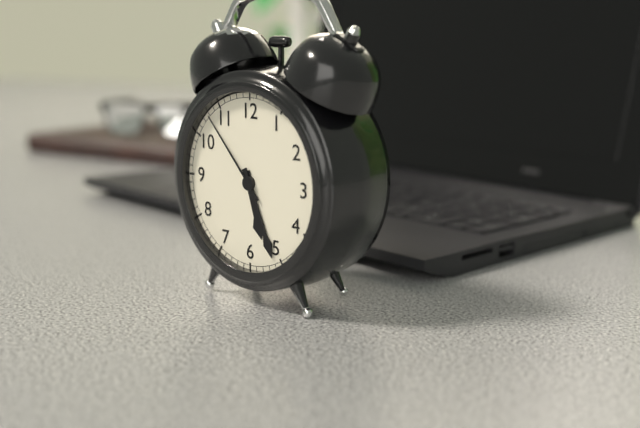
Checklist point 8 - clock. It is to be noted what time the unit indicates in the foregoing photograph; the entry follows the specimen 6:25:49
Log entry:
5:26:53
